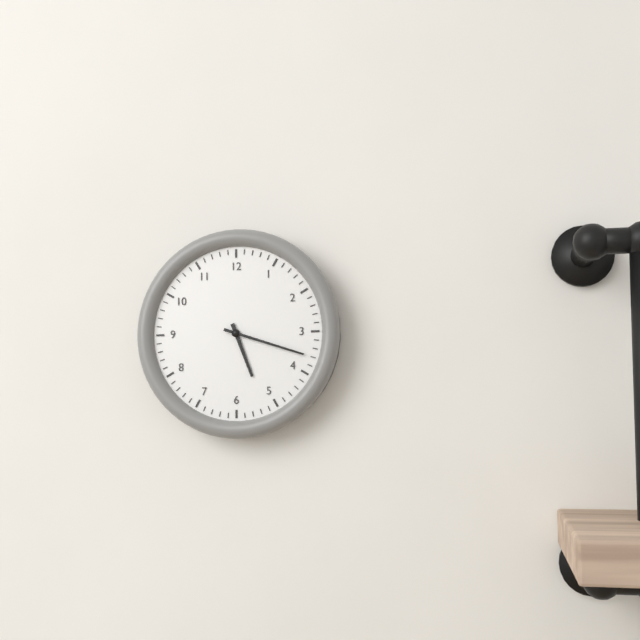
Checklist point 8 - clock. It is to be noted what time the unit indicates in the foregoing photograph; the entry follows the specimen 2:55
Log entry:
5:18
